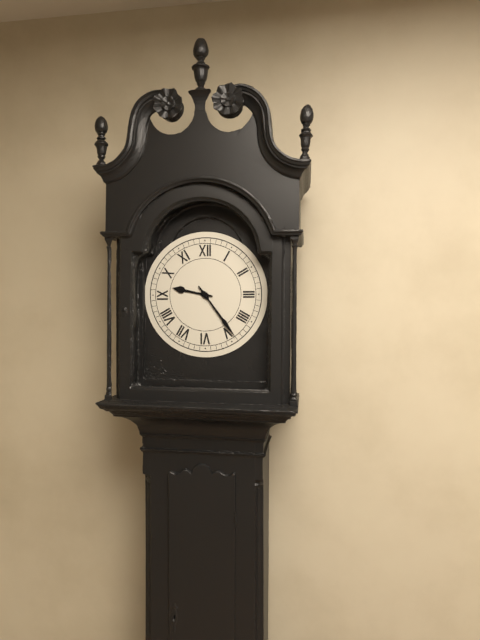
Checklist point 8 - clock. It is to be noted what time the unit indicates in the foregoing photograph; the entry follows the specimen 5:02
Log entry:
9:24
